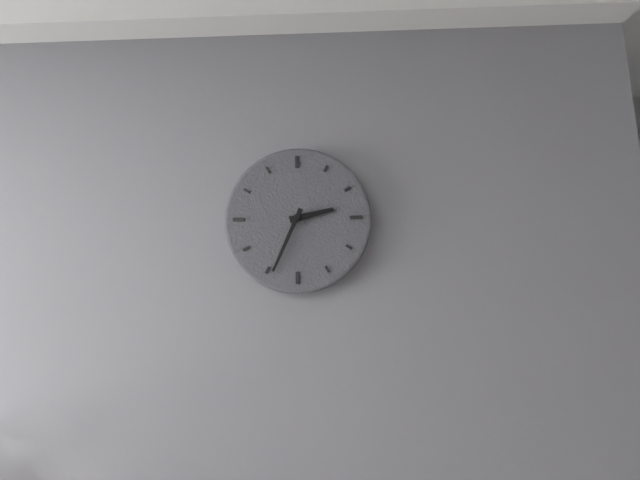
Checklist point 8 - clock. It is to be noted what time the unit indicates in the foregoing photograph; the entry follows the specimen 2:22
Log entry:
2:34
